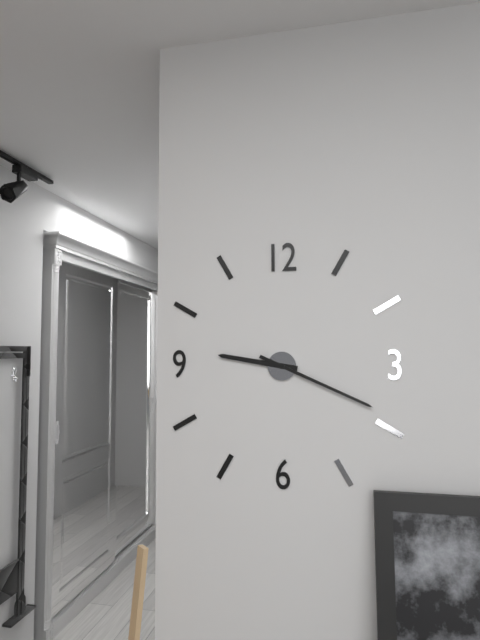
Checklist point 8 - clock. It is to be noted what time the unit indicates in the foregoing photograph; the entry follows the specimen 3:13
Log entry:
9:19
